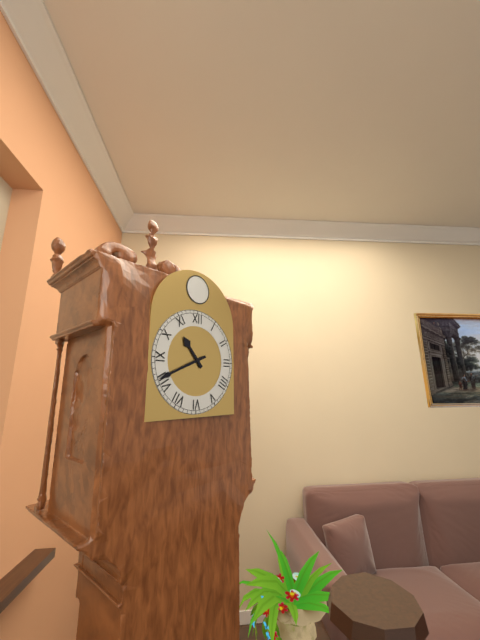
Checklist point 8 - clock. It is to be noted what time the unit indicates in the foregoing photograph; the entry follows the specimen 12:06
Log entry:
10:41
